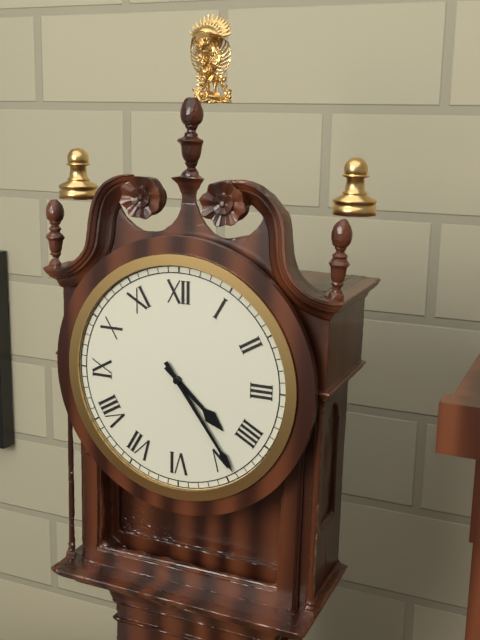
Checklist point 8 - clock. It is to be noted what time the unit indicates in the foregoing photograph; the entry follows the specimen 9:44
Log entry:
4:24
